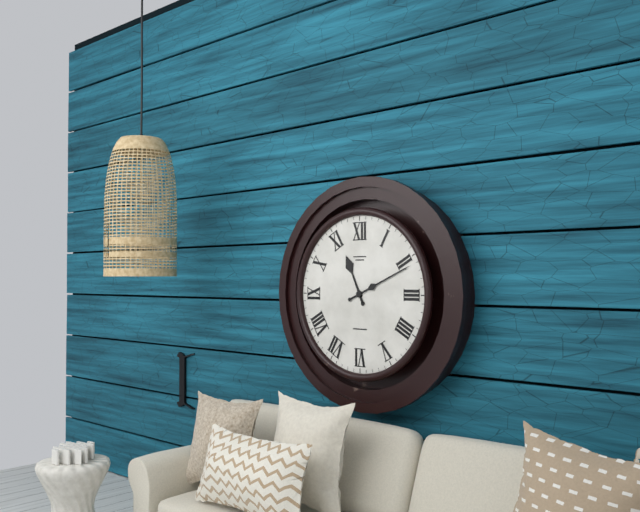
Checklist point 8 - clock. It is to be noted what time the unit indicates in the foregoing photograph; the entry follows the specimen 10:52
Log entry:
11:11
